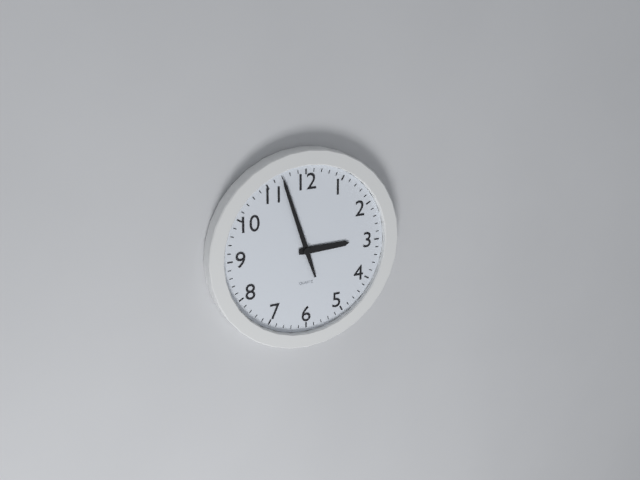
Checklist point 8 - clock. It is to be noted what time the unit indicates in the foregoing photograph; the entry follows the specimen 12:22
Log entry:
2:57
